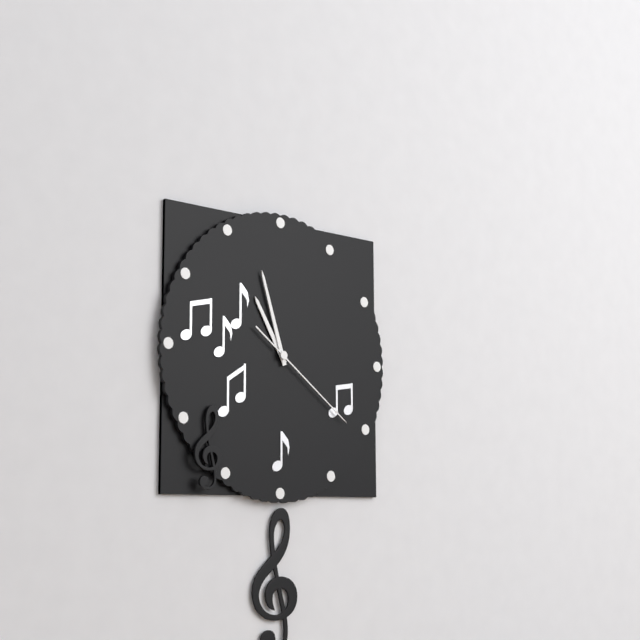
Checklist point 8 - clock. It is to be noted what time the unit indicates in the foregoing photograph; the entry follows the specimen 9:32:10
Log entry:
10:57:21
